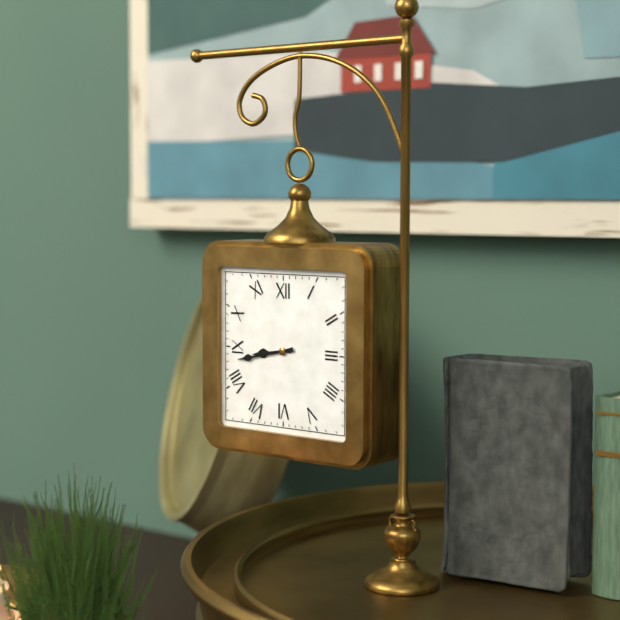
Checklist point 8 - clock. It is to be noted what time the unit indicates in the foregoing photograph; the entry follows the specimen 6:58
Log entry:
8:43
